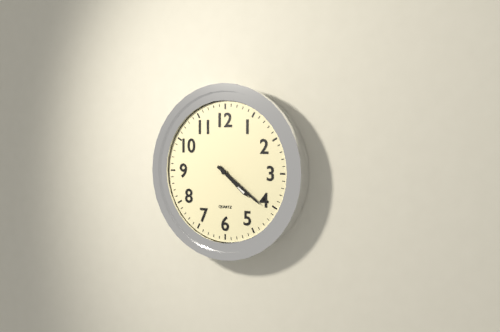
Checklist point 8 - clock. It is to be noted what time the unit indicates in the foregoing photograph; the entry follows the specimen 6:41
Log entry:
4:21
